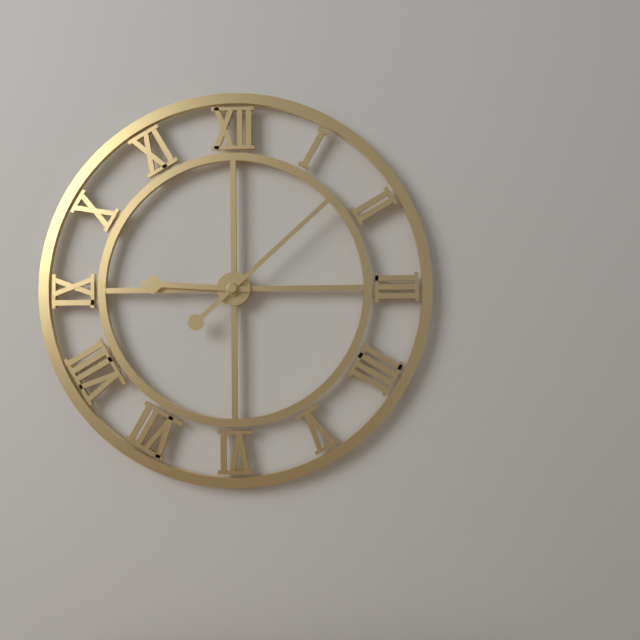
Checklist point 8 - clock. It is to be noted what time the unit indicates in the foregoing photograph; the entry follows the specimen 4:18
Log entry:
9:08
